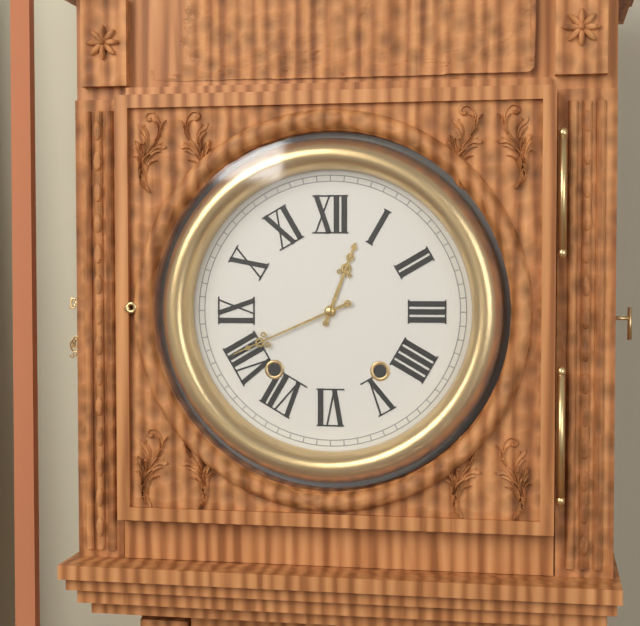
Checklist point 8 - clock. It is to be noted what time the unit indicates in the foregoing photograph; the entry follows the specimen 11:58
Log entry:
12:41
